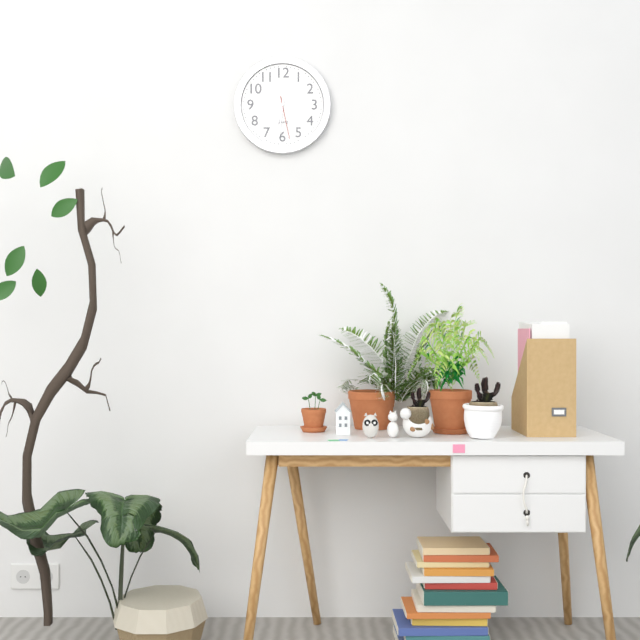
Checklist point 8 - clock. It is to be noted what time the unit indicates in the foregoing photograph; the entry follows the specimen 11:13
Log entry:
6:31
